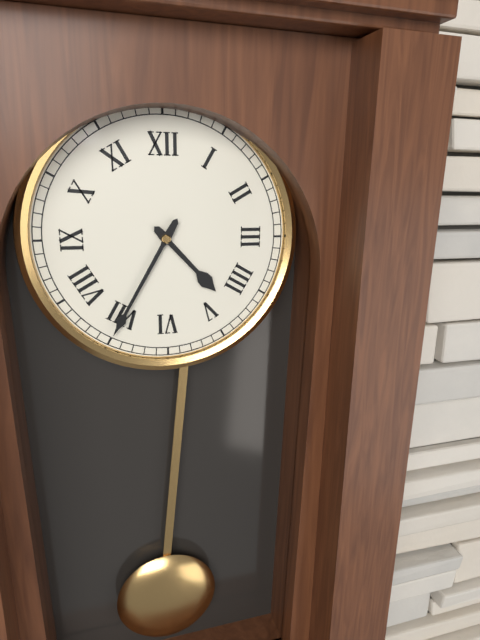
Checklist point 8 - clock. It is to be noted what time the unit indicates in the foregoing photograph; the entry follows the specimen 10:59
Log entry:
4:35
